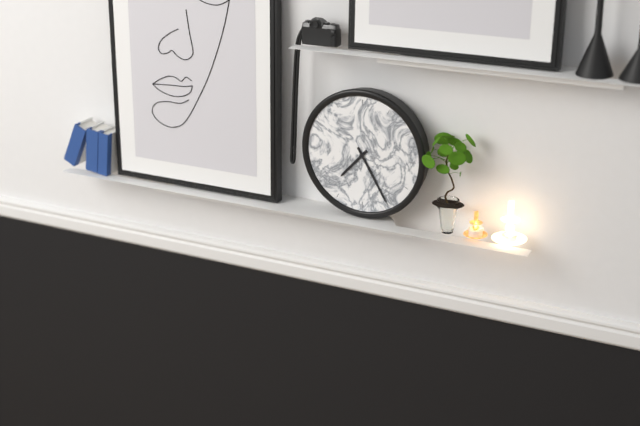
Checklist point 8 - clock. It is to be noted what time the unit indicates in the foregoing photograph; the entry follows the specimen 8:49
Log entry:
7:25
